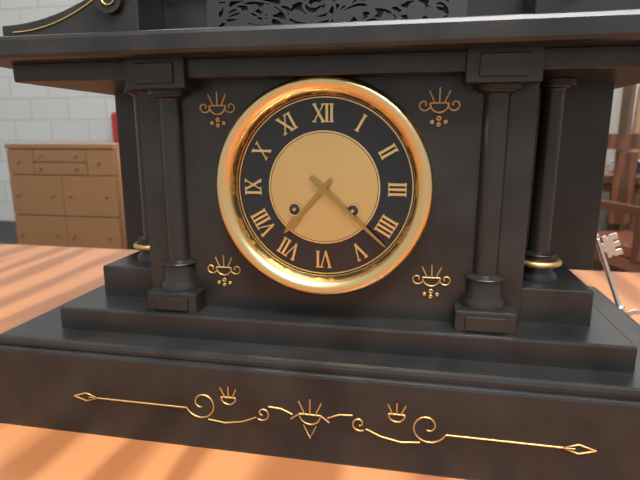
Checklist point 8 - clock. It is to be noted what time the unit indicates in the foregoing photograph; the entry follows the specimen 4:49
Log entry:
7:22
